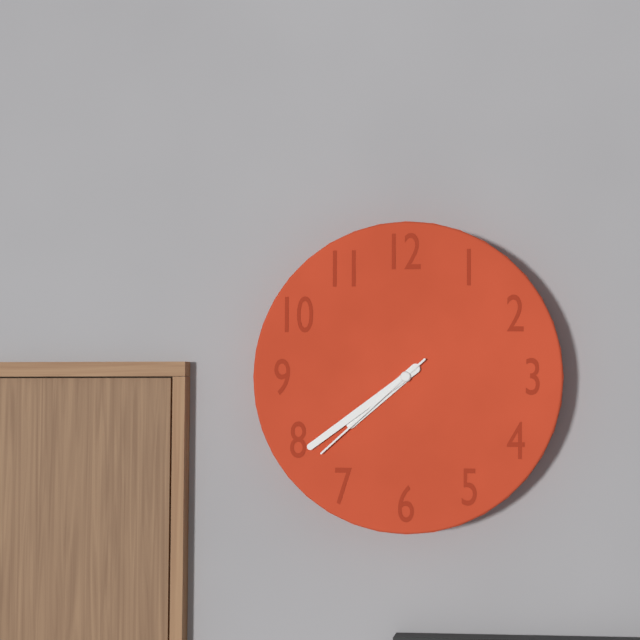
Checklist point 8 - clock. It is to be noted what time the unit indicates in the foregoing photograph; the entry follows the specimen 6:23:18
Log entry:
7:39:38
